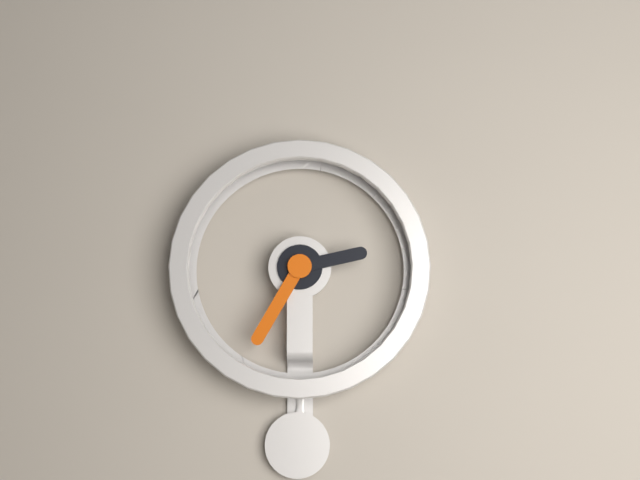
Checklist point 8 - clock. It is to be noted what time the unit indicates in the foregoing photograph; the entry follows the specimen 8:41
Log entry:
2:35
